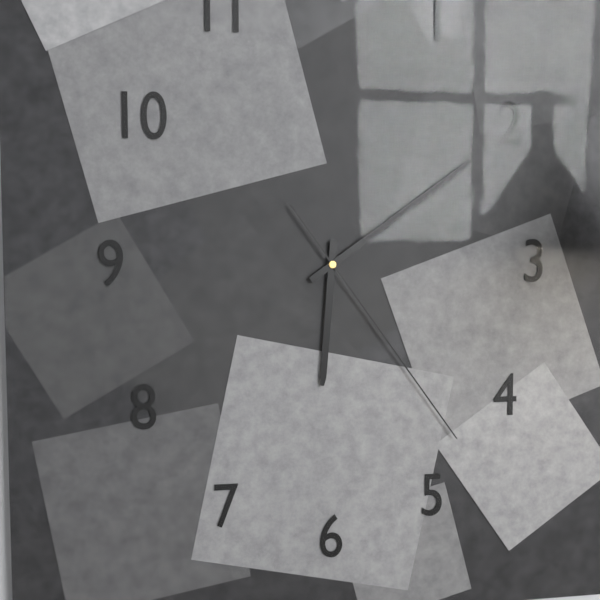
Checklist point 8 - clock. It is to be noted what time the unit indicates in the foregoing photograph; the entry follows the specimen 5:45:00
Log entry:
6:09:24
